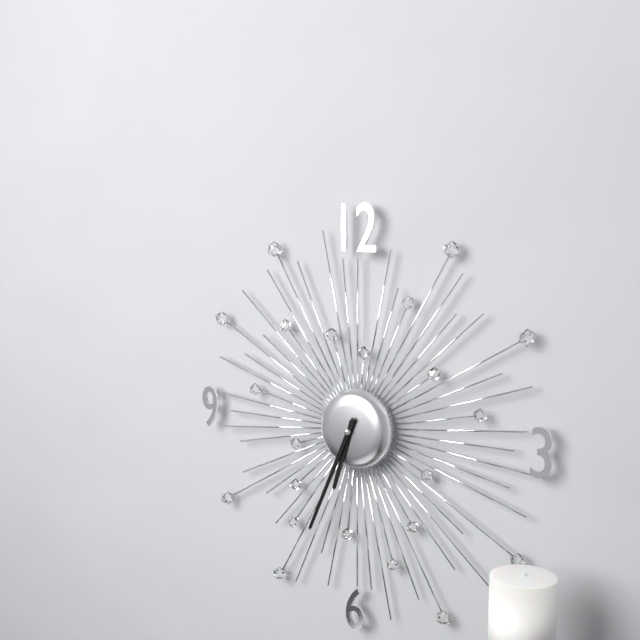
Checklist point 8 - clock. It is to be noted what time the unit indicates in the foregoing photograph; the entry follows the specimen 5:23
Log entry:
6:34
